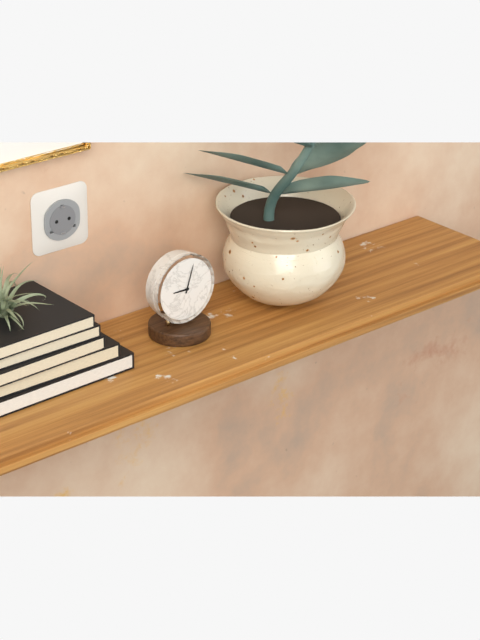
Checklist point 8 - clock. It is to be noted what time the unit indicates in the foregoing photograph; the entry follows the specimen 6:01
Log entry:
9:03
